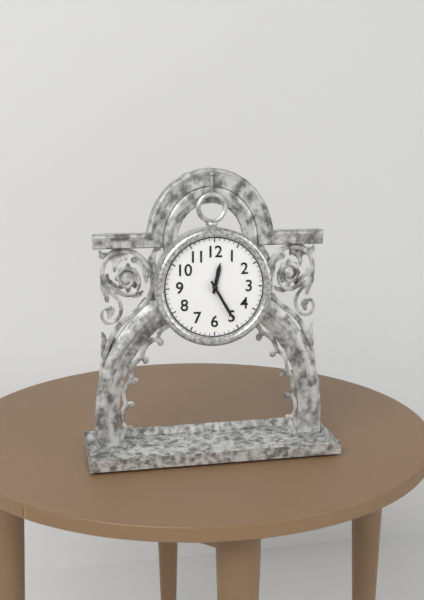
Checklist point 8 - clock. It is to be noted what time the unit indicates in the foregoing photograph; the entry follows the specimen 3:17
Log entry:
12:25
